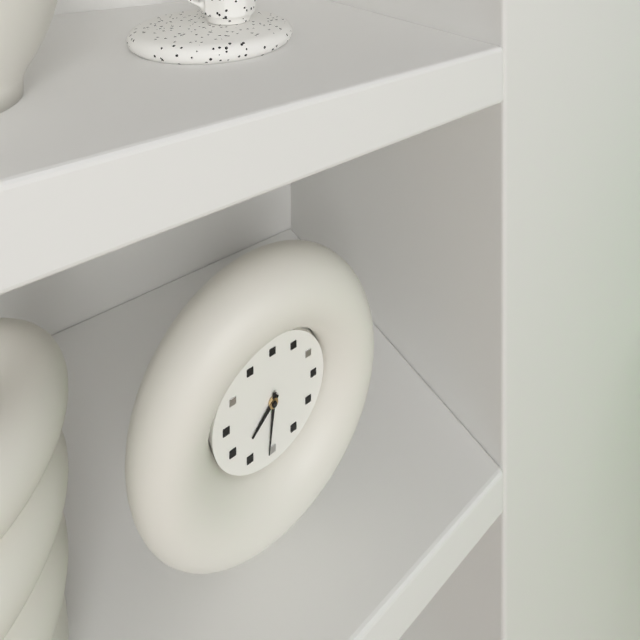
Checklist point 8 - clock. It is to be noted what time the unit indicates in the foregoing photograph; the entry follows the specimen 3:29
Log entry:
7:31
